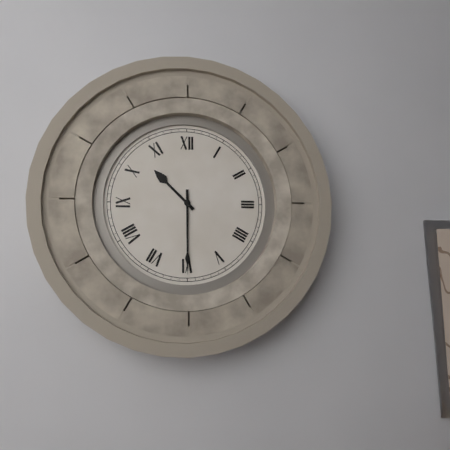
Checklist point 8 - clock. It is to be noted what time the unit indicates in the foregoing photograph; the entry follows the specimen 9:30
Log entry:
10:30
